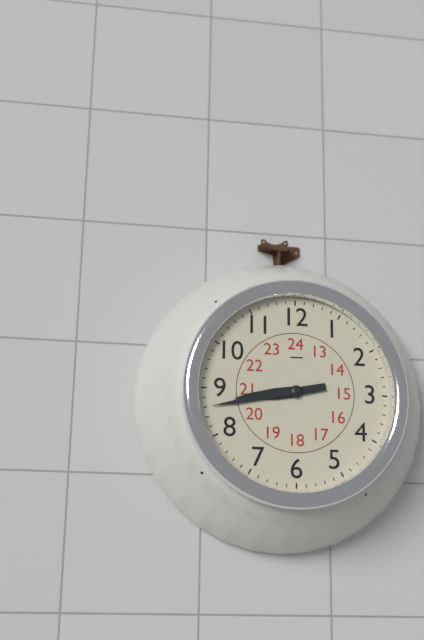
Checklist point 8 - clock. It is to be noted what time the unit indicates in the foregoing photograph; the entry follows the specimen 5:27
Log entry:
8:43
